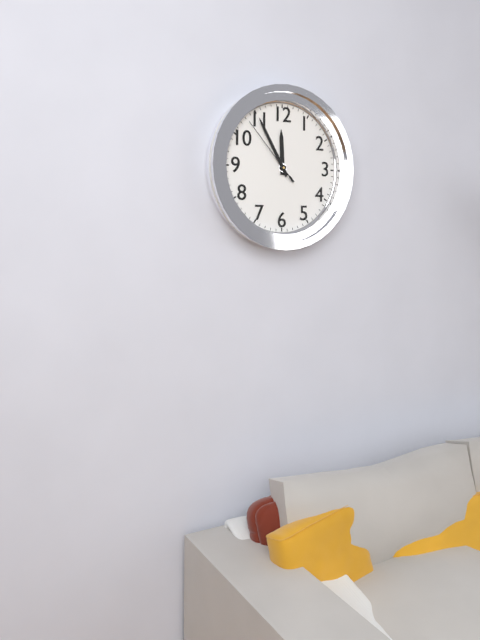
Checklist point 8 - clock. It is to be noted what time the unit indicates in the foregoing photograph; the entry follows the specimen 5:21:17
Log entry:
11:55:53
